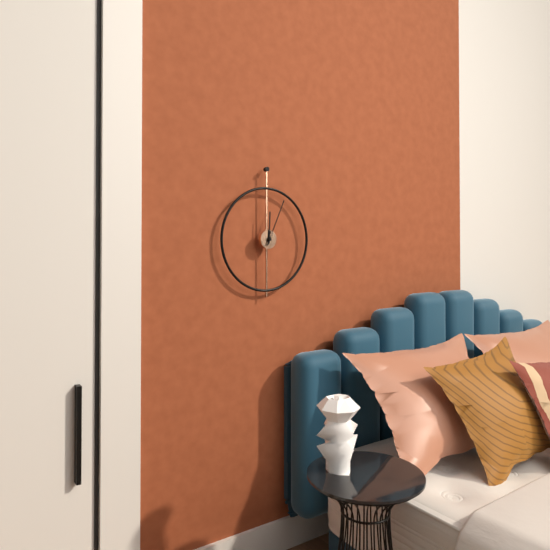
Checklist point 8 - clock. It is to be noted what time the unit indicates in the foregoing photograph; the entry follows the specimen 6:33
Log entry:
12:04
